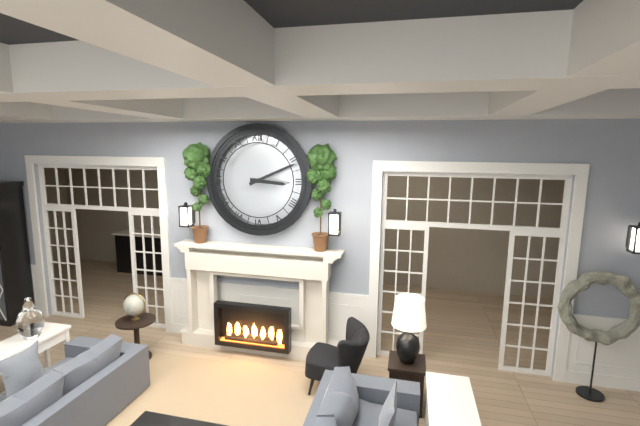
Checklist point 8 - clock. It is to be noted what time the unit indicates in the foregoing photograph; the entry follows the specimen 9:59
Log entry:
3:11
